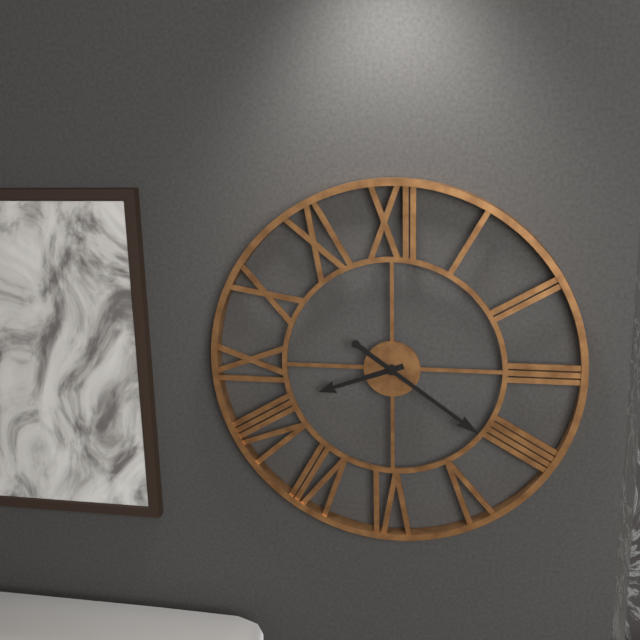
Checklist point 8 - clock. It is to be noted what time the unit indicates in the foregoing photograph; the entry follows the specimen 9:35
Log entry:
8:21
